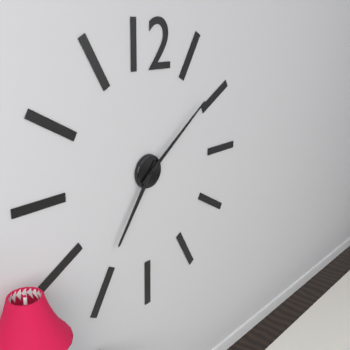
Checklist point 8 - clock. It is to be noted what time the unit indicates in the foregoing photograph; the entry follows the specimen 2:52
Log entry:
7:09
